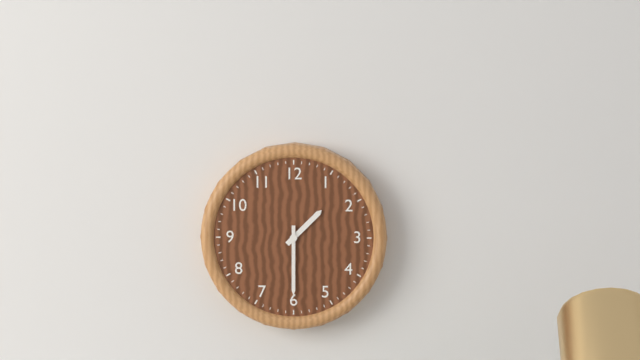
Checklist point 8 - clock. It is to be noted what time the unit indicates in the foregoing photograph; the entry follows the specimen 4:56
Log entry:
1:30
